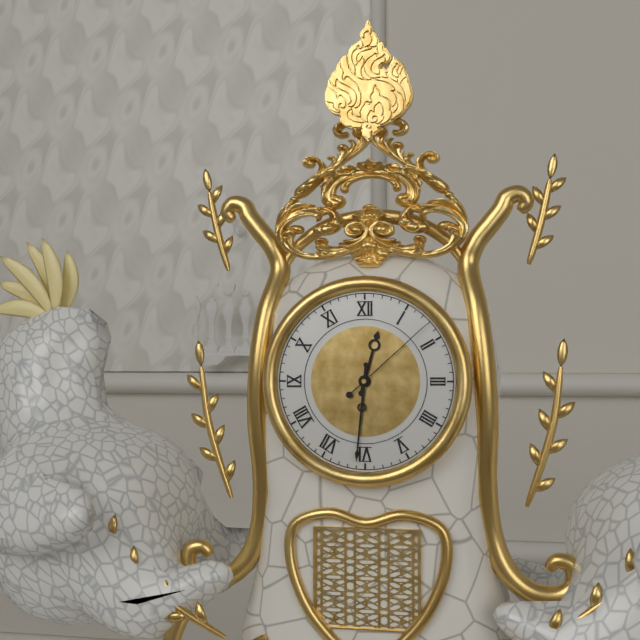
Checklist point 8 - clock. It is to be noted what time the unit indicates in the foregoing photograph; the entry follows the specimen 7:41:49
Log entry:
12:31:08
